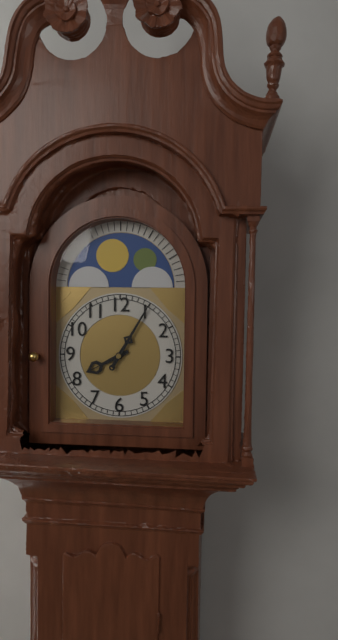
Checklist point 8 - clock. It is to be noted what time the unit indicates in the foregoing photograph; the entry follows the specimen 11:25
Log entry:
8:05
